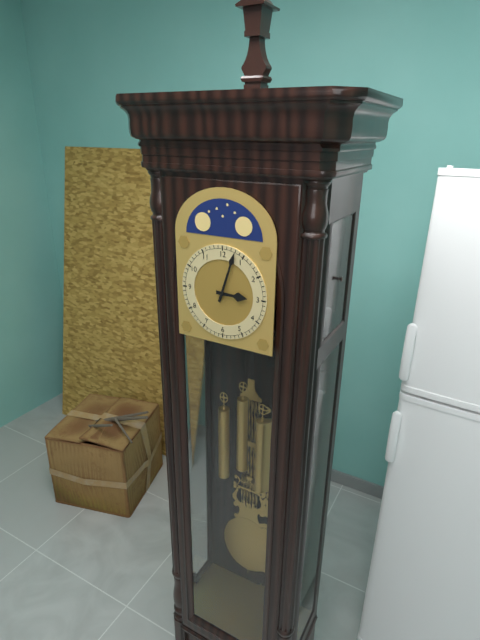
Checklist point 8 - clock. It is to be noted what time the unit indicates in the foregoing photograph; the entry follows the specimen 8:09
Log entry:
3:03
